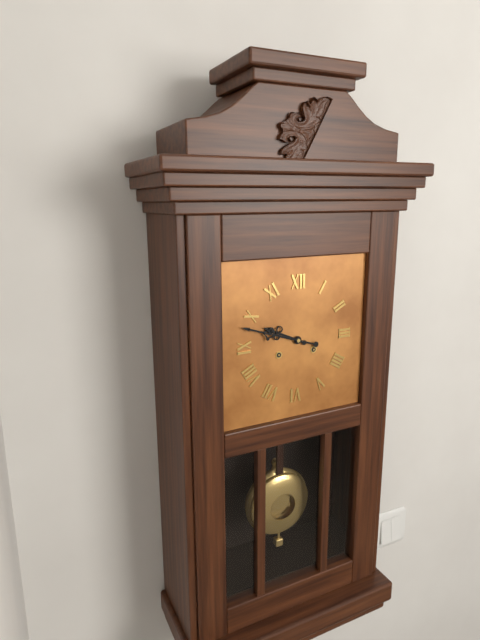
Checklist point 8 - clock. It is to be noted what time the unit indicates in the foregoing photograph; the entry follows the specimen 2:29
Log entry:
9:48
